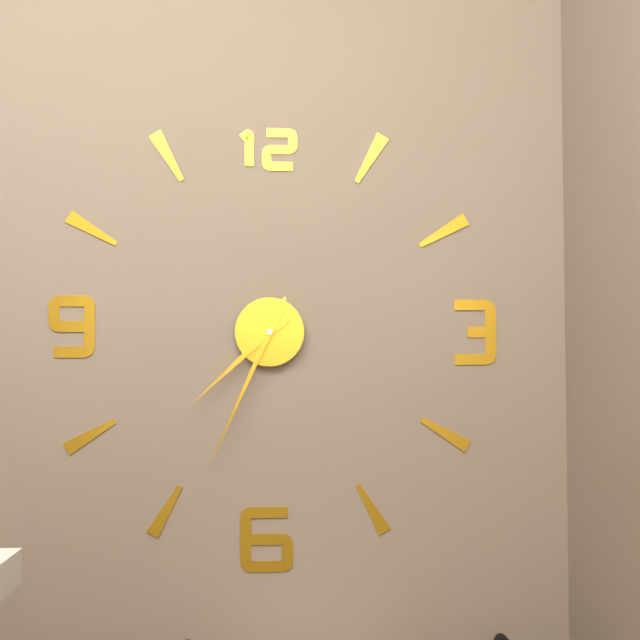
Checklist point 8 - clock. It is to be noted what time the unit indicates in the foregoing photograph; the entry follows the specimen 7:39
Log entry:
7:34
